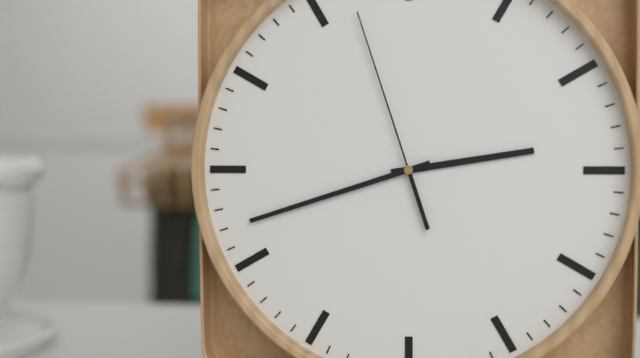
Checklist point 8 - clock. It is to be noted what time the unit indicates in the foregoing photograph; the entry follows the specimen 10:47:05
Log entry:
2:42:57
